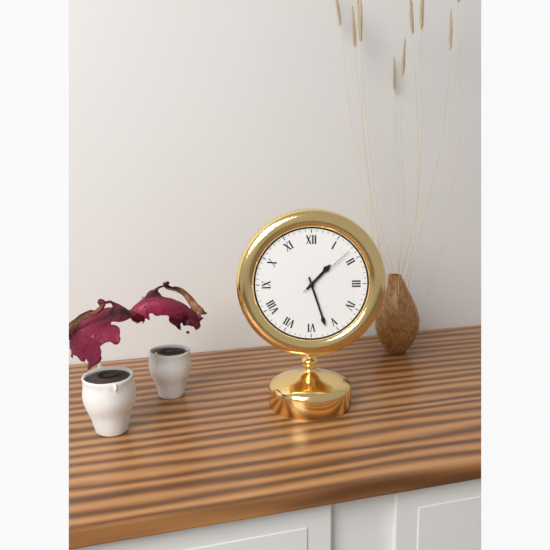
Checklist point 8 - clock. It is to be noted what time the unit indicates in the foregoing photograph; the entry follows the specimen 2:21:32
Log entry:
1:27:08
